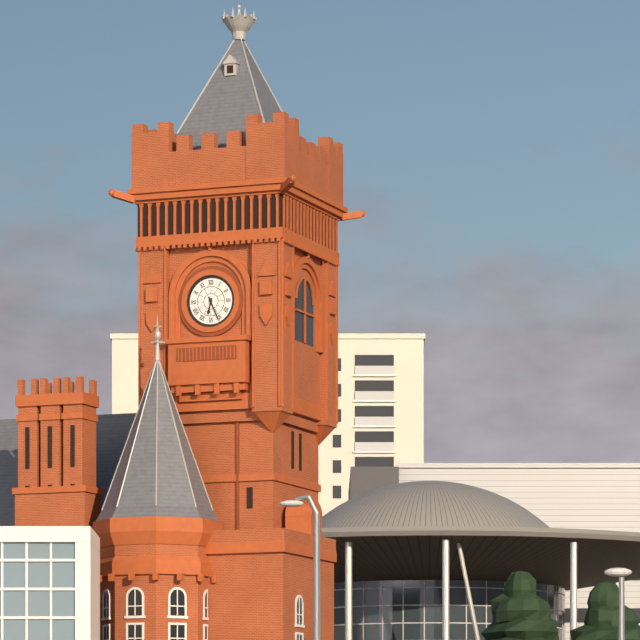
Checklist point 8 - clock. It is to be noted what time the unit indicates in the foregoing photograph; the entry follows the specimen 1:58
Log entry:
6:26
